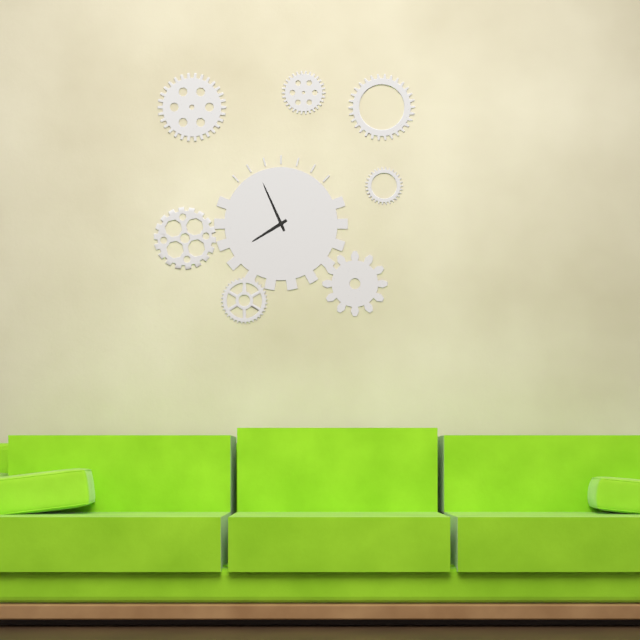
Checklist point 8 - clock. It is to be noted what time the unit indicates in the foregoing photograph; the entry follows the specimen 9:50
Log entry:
7:56
